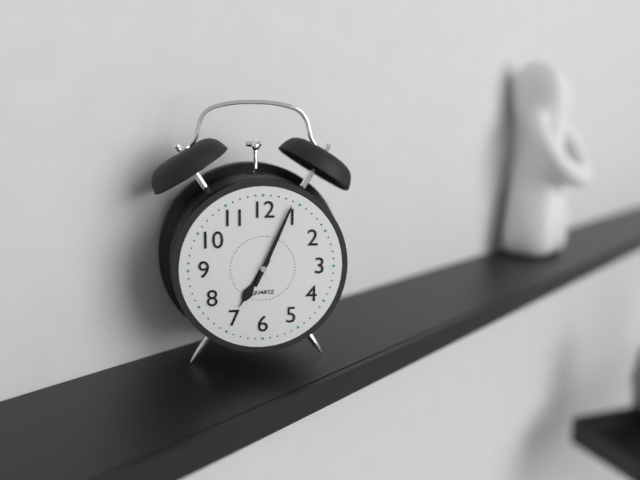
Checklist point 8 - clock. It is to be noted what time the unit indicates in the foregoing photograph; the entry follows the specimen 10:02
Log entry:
7:04
